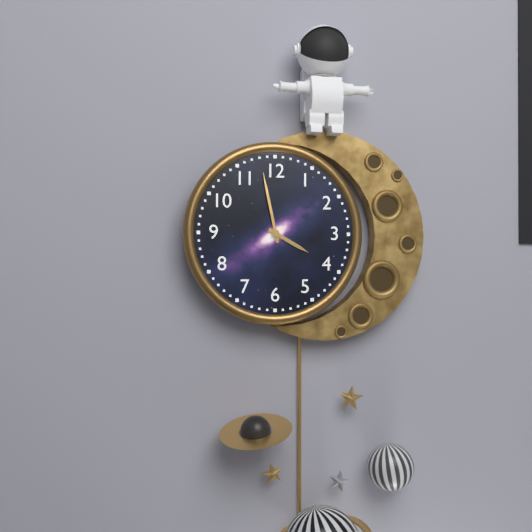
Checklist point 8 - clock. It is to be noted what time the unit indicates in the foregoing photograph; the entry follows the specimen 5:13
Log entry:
3:58
